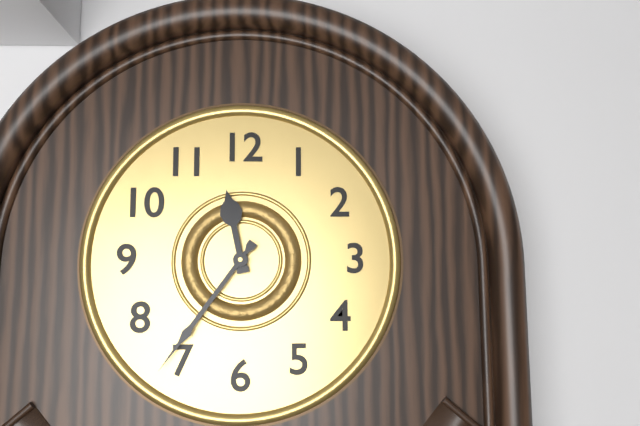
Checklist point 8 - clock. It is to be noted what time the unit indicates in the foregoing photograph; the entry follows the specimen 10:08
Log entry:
11:36
